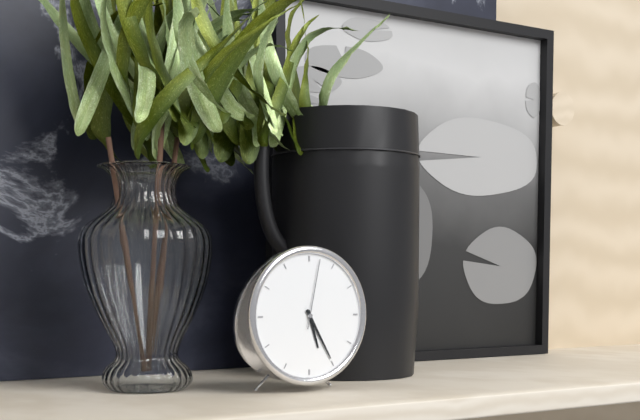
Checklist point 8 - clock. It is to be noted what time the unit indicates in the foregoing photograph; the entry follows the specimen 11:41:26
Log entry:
5:25:02
